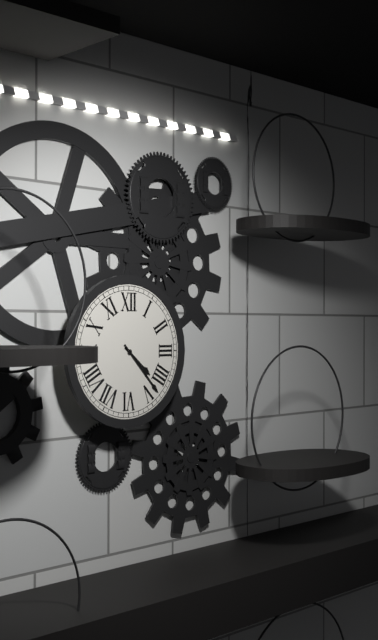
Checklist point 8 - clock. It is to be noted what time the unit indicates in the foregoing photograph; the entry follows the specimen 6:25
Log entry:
4:23
